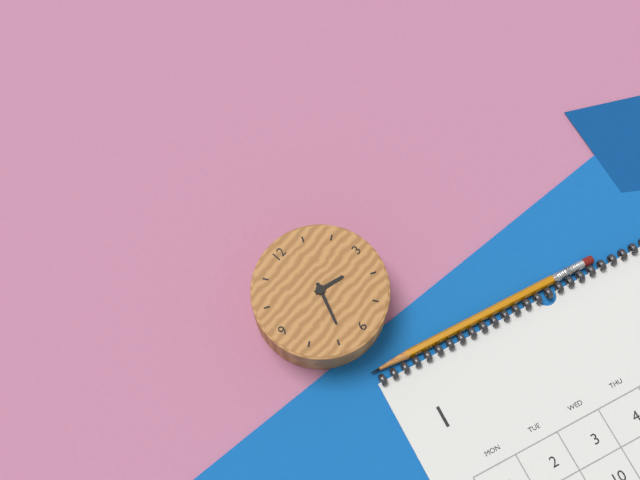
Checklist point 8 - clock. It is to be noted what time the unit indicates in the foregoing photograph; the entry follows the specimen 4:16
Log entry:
3:34
